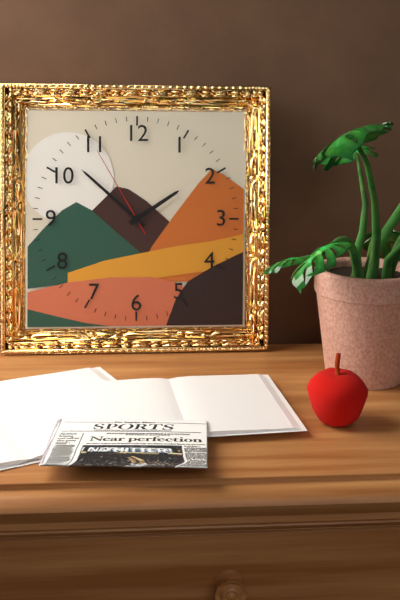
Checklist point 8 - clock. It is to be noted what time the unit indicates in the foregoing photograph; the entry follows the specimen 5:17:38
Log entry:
1:52:55
